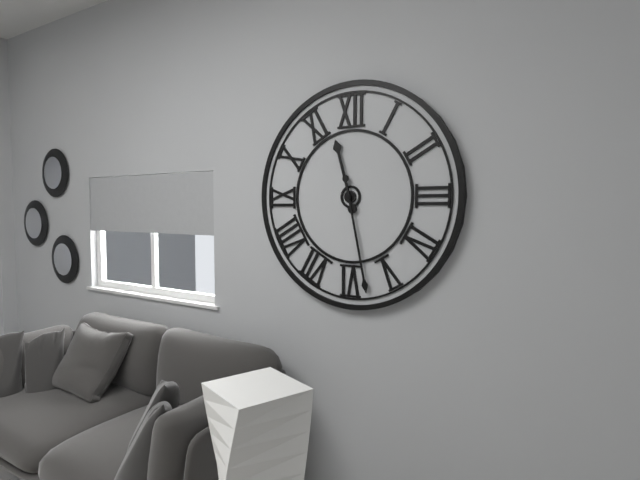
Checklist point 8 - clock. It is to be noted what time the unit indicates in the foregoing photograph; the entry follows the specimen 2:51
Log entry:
11:28
